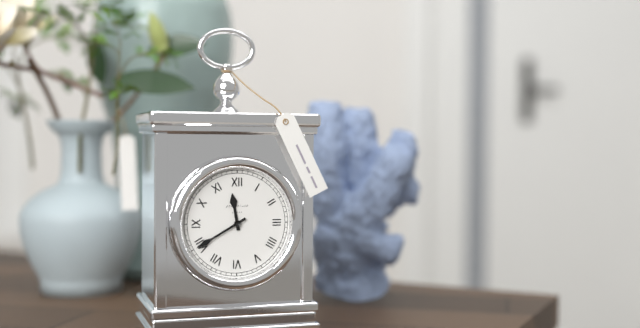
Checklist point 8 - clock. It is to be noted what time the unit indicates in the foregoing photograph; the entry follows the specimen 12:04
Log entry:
11:40
